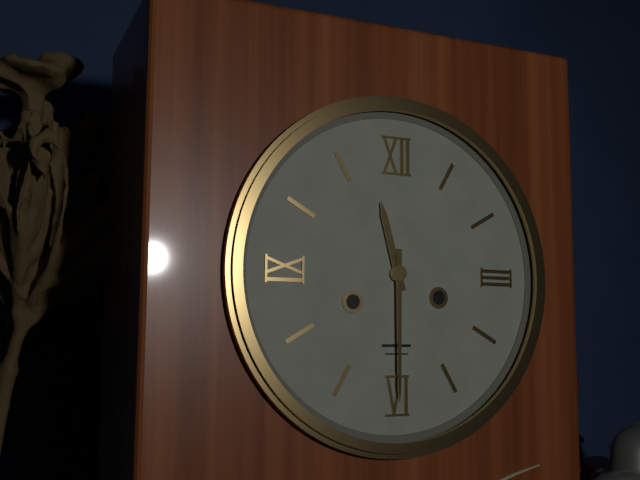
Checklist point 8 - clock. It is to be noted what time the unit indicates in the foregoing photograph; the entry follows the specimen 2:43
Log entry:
11:30
